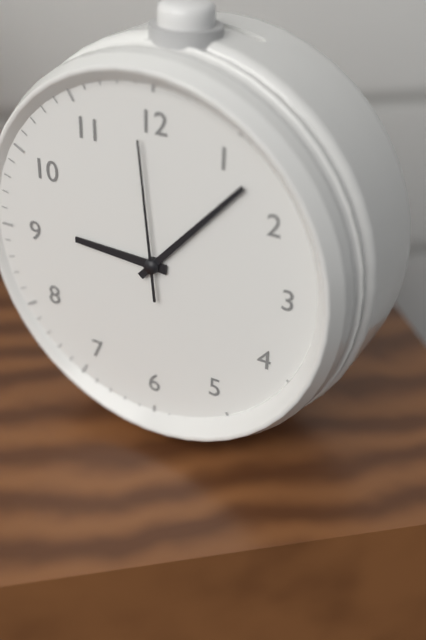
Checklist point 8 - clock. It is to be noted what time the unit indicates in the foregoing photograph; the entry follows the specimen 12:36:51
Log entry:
9:07:59
